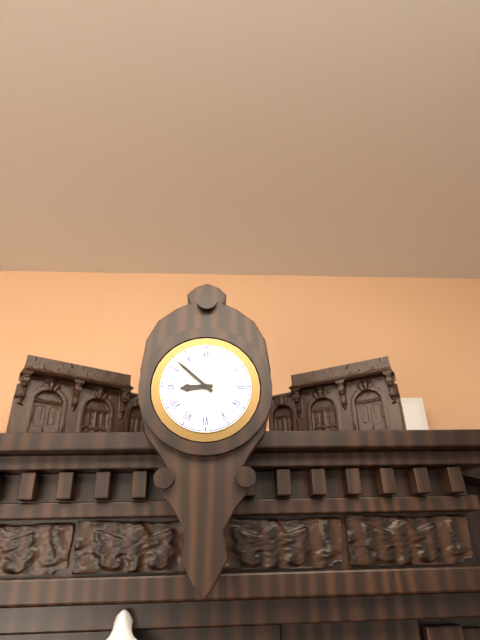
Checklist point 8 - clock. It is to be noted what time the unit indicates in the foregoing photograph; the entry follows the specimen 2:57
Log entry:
8:52
